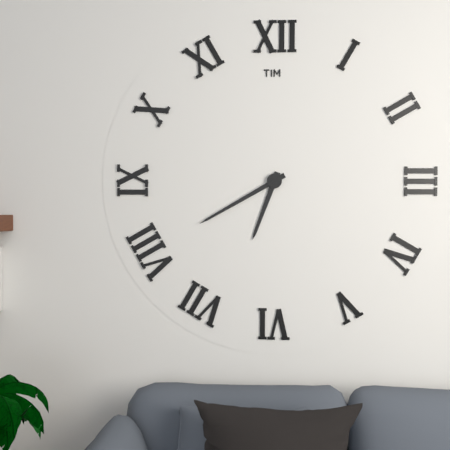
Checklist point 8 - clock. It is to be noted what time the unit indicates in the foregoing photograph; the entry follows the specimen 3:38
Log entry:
6:40
